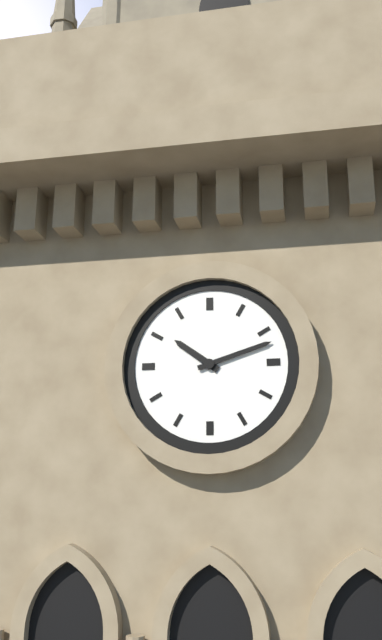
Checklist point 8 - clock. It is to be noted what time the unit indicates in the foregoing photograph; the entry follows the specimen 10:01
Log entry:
10:12
